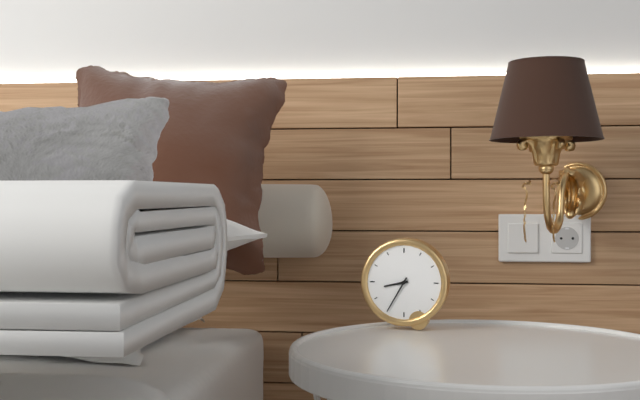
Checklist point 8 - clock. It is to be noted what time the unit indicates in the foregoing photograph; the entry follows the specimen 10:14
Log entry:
8:35
